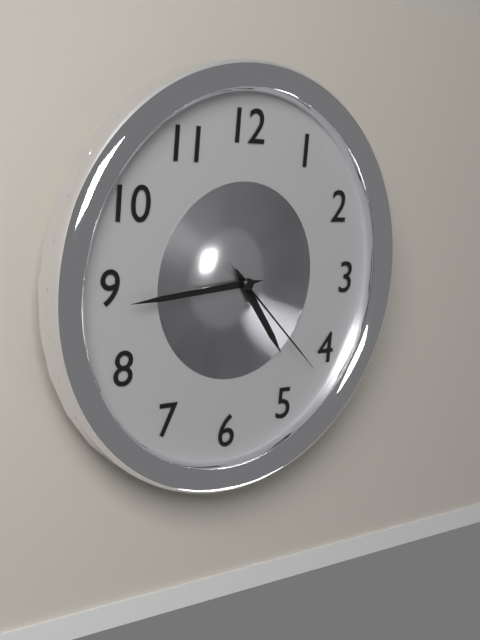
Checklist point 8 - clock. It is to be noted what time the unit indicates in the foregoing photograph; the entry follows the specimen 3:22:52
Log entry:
4:44:22
